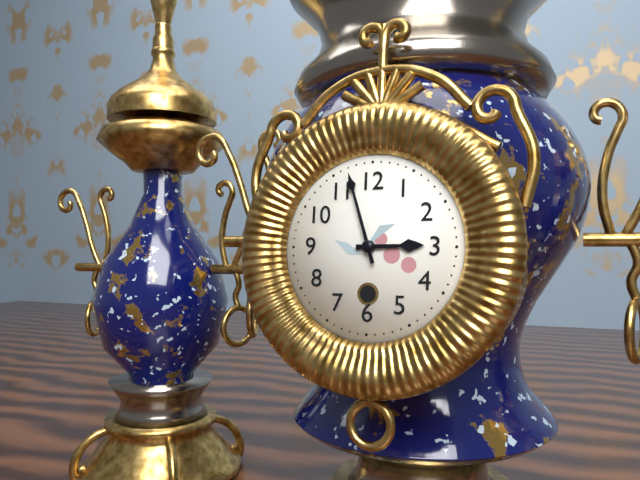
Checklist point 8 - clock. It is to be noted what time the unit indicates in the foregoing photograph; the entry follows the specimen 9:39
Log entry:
2:57
